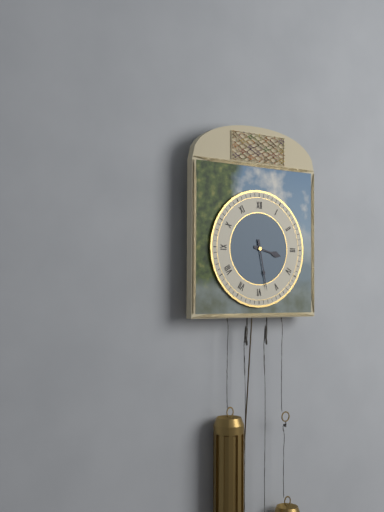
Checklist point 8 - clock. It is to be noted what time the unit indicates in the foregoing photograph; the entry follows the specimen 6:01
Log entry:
3:28
